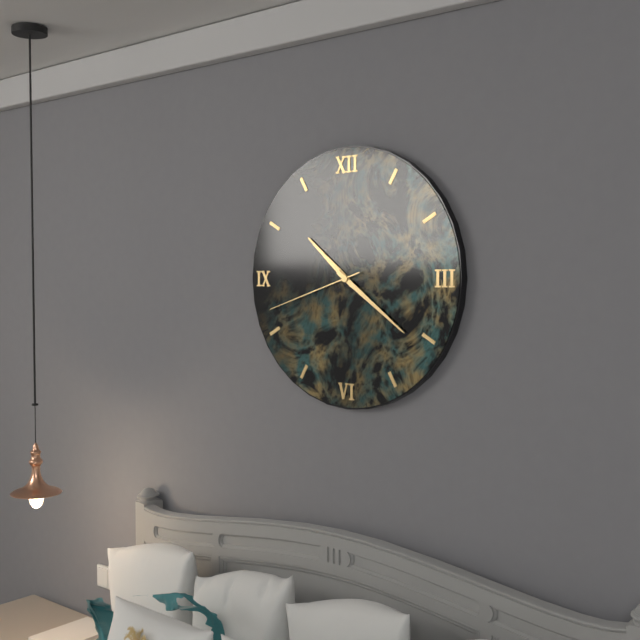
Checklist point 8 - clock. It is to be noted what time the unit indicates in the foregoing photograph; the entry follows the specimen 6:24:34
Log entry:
10:21:42
